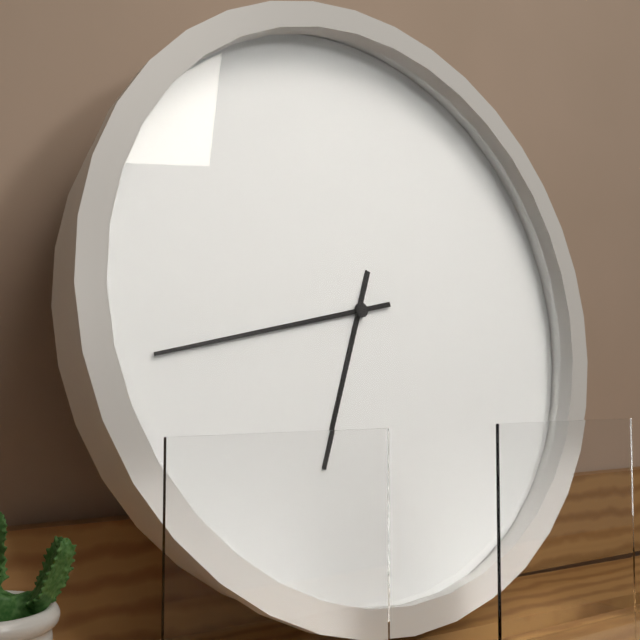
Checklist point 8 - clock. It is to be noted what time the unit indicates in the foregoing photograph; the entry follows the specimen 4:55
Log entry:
6:43
